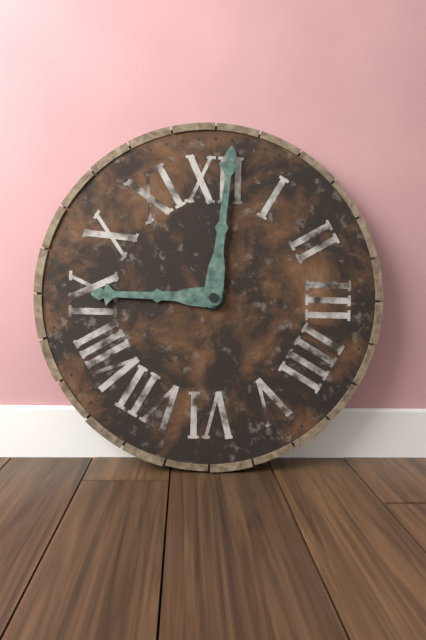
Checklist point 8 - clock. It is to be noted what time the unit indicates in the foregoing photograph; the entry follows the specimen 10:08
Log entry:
9:01
